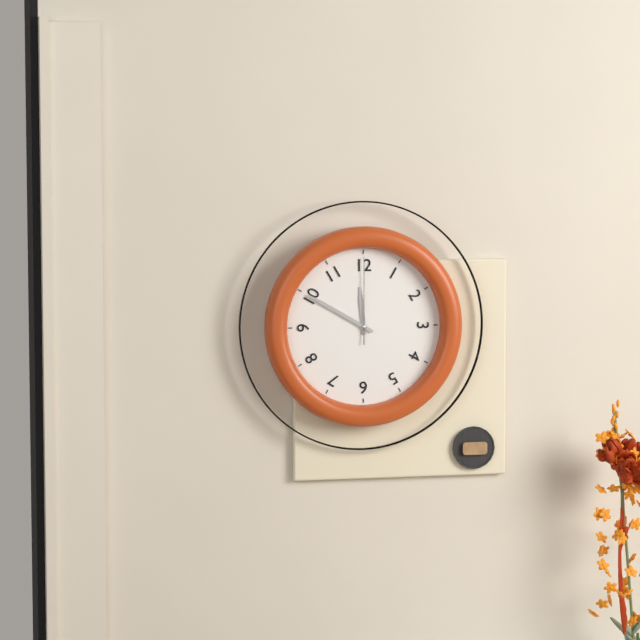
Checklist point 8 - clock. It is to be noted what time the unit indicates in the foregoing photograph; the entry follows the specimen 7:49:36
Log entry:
11:50:00
